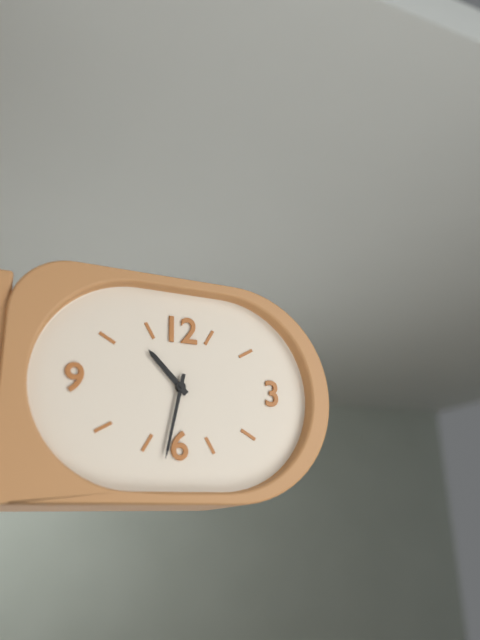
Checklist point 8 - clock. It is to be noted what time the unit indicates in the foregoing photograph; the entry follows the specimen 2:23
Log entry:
10:32
